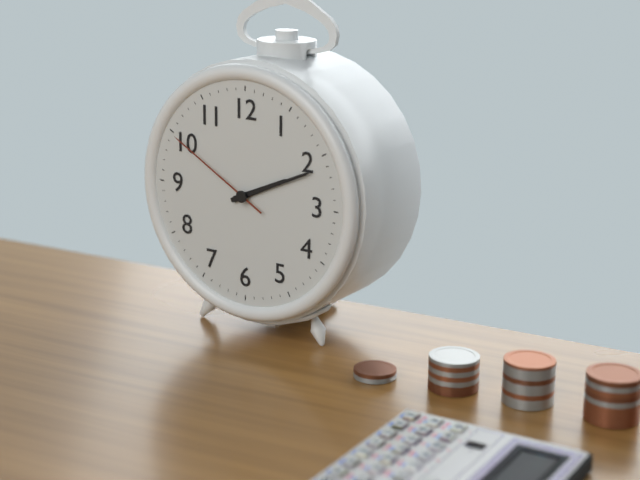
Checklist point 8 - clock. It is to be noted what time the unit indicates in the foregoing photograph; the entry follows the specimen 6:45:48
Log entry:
2:11:50
